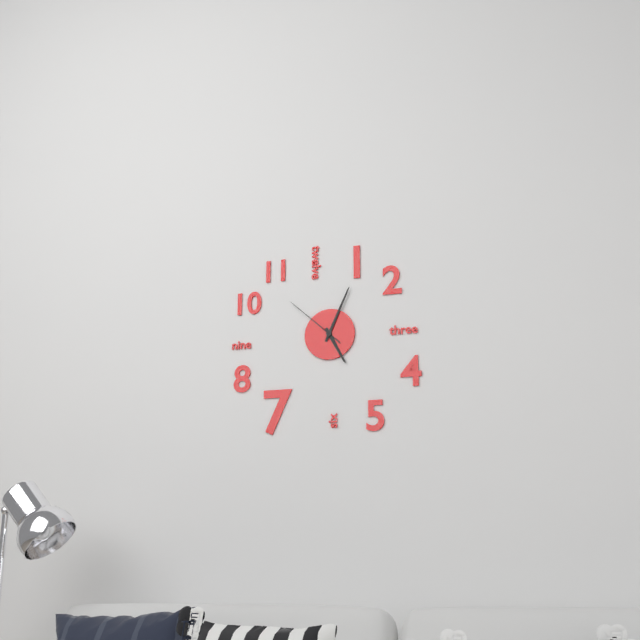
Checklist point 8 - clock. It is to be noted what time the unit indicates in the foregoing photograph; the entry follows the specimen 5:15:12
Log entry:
5:04:52
